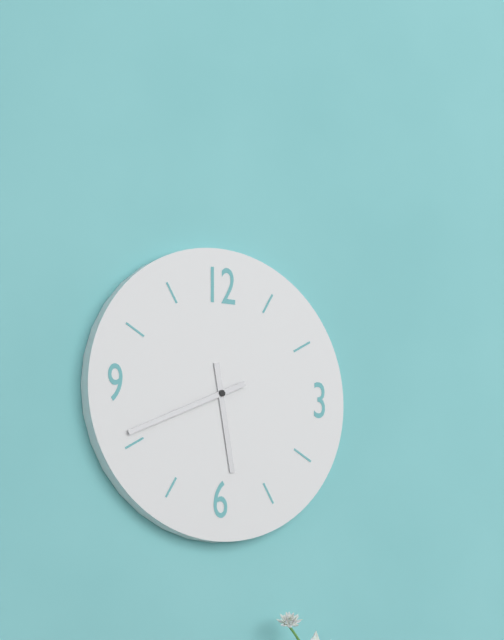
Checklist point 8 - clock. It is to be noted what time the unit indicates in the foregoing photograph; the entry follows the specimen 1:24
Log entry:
5:41
